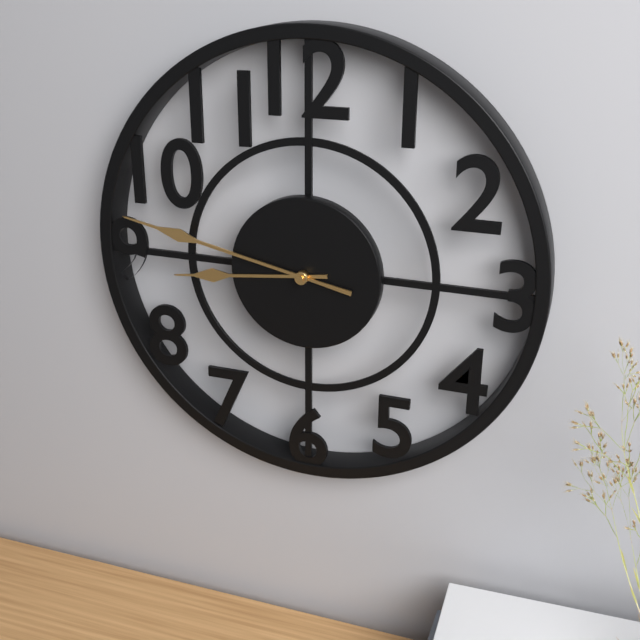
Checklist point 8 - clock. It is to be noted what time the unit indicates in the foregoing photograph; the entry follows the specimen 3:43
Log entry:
8:47
